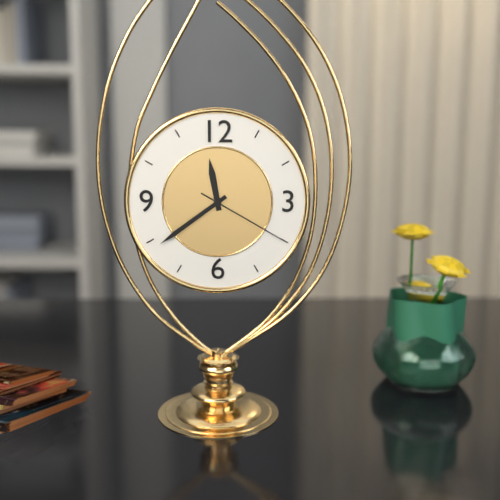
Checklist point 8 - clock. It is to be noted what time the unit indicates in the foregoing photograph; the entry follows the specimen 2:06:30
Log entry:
11:39:20
